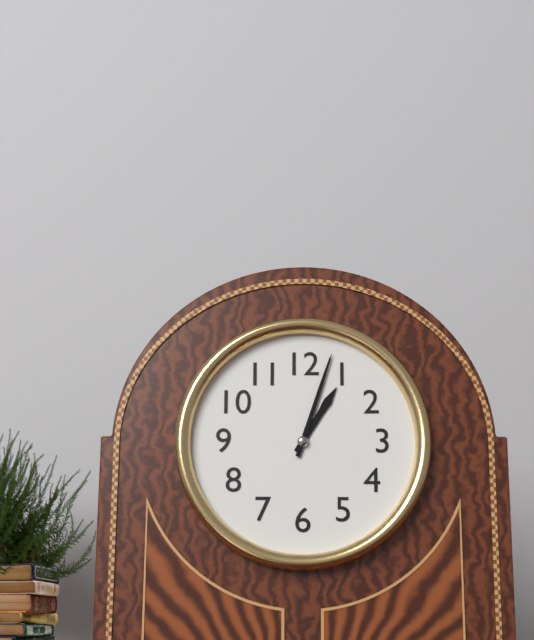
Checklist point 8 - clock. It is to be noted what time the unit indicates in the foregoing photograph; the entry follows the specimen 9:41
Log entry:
1:03
